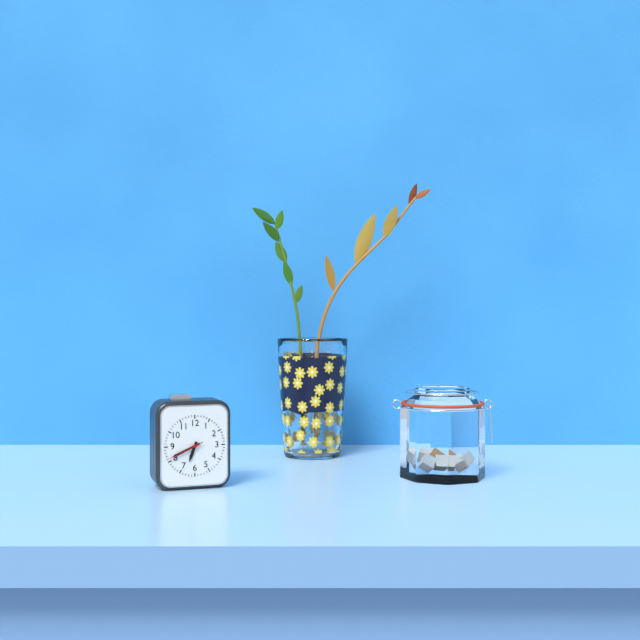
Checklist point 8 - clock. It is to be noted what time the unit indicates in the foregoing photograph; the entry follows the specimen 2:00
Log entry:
6:41
